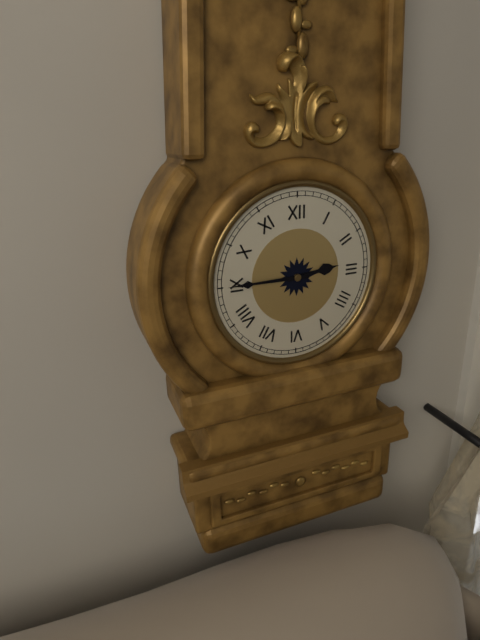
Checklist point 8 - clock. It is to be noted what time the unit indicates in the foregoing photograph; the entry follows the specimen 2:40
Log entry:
2:45
